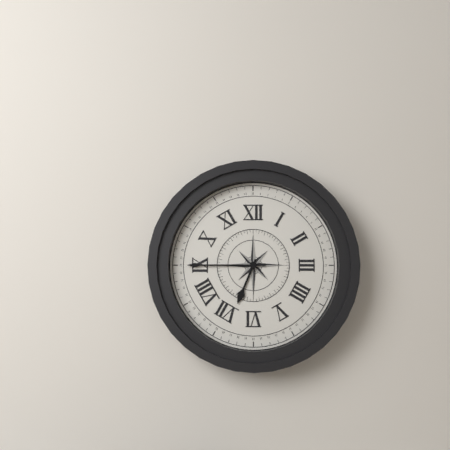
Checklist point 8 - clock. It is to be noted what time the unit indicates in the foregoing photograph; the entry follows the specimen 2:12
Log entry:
6:45
